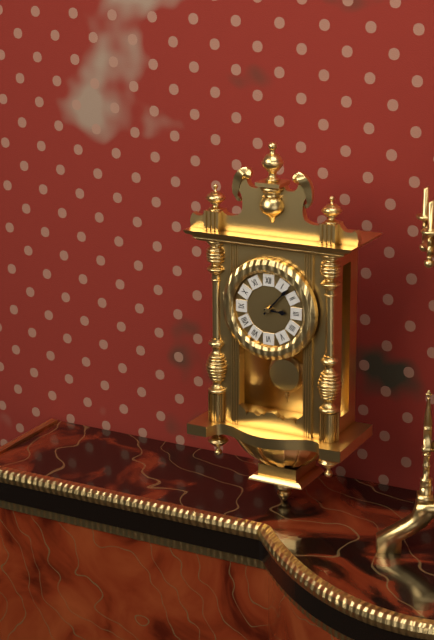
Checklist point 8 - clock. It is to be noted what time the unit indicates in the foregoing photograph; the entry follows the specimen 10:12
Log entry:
3:07
